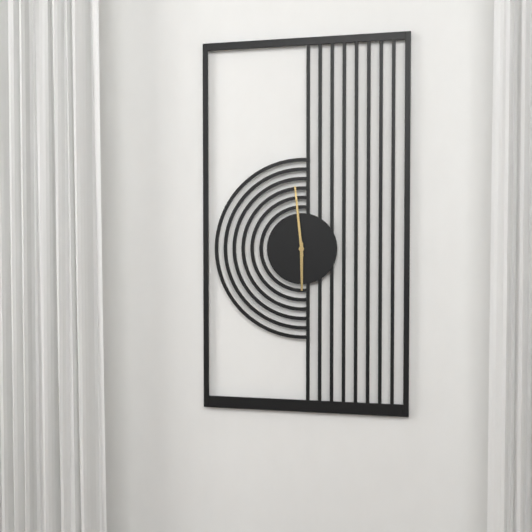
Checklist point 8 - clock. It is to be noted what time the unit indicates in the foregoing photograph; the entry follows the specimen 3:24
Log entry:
5:59
